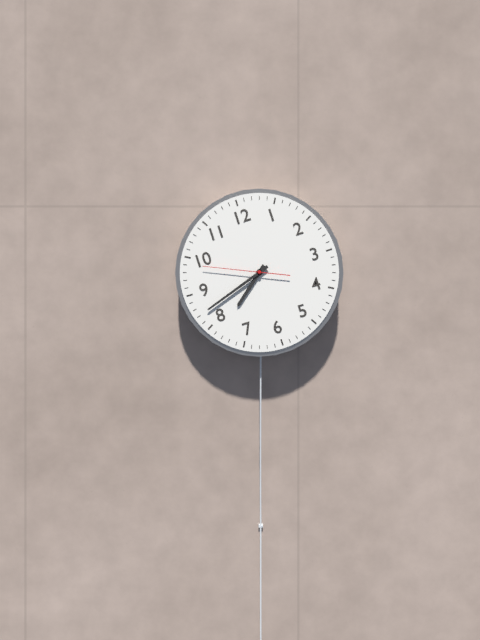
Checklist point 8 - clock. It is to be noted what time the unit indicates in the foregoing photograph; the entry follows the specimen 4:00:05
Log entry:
7:42:49
